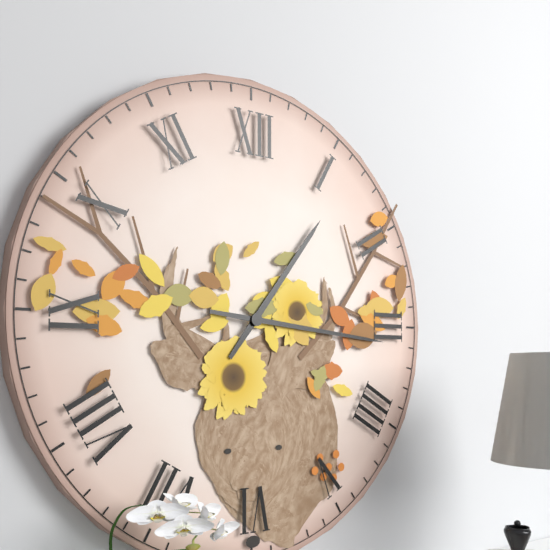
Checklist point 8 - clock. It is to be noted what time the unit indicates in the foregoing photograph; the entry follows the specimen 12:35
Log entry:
1:16
